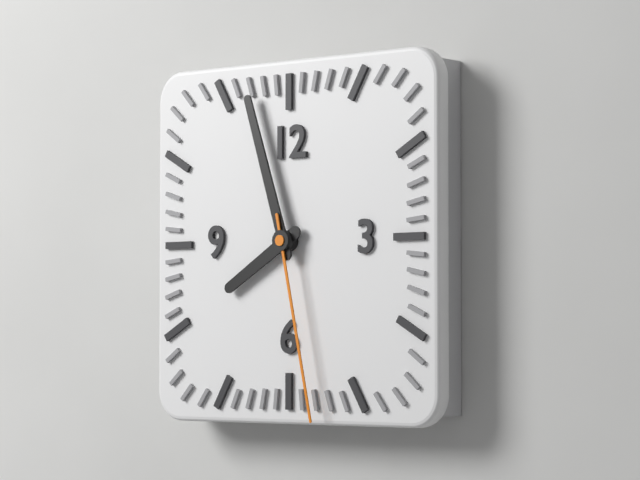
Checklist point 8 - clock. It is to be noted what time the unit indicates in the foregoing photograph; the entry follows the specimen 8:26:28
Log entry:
7:57:28
